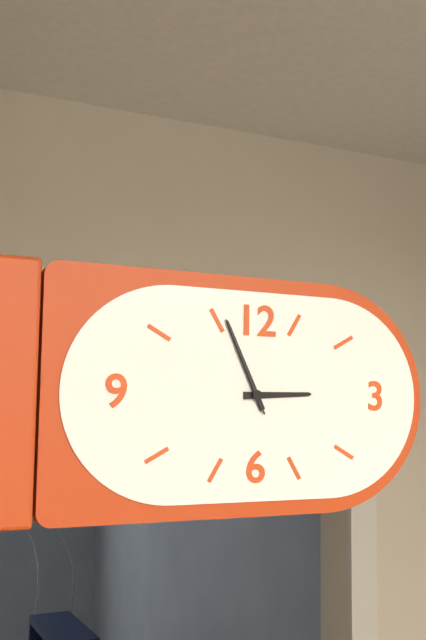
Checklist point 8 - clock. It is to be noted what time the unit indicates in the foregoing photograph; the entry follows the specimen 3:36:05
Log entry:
2:56:56
